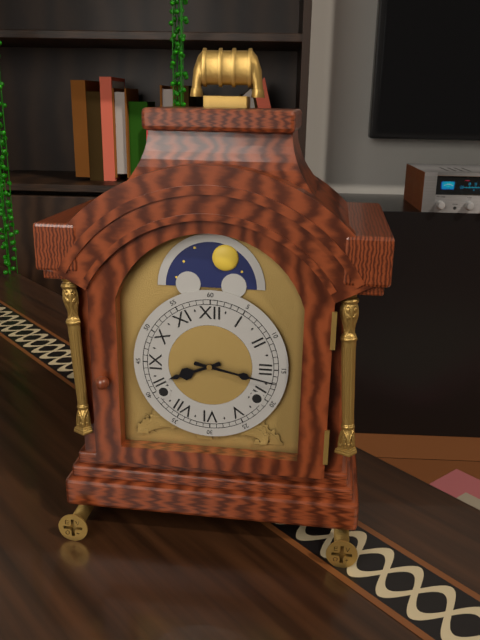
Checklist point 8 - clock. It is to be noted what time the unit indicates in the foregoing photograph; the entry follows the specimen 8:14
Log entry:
8:17
